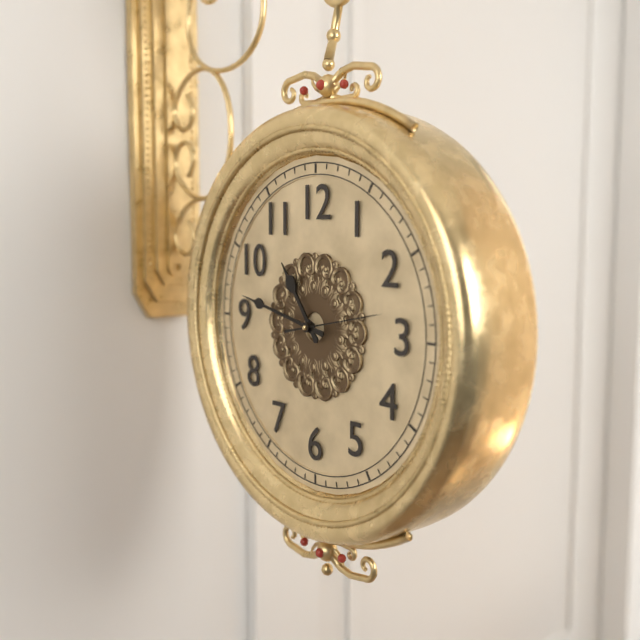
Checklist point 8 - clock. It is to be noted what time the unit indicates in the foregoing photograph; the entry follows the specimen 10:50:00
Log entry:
10:47:13
